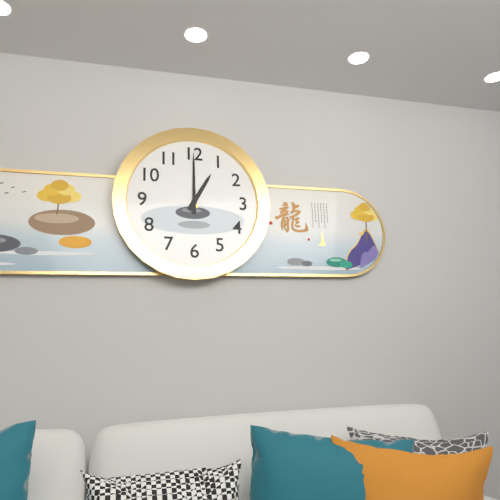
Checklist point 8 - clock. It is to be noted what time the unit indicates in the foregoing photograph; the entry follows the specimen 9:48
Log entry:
1:00
